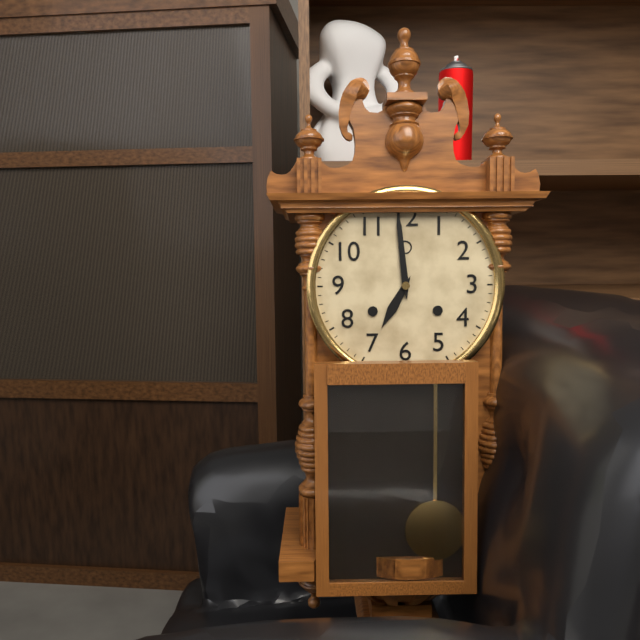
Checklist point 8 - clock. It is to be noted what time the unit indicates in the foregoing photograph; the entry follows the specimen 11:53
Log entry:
6:59
